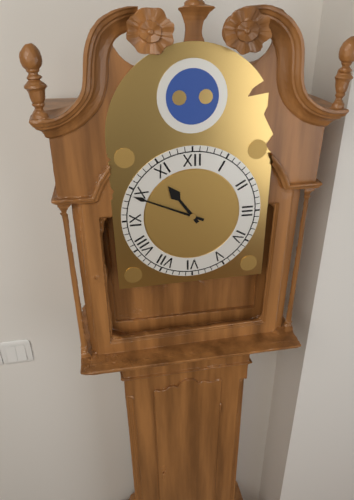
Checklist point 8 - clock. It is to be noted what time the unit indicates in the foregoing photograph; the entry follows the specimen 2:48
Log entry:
10:49
